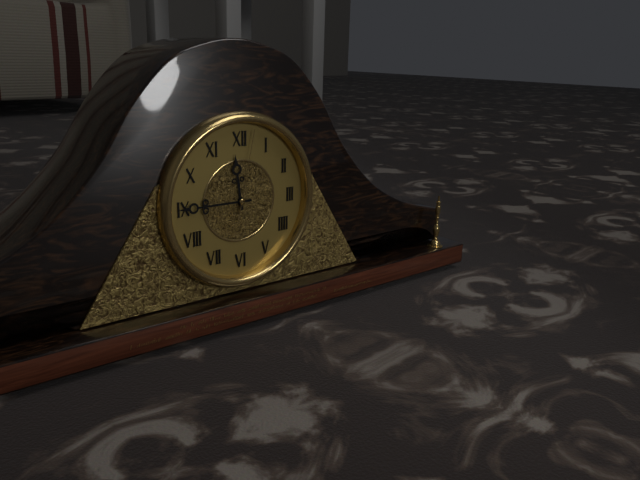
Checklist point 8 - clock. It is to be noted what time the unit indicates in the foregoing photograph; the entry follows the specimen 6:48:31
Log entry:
11:45:02
